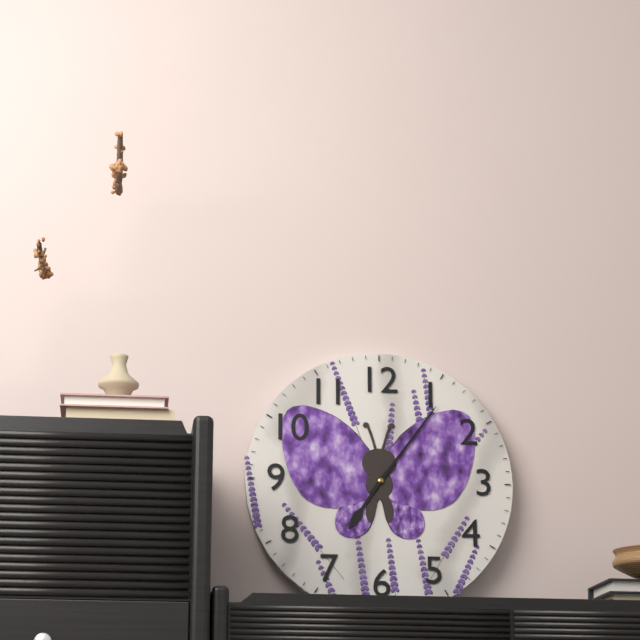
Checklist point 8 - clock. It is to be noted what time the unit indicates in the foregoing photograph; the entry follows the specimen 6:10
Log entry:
7:06
